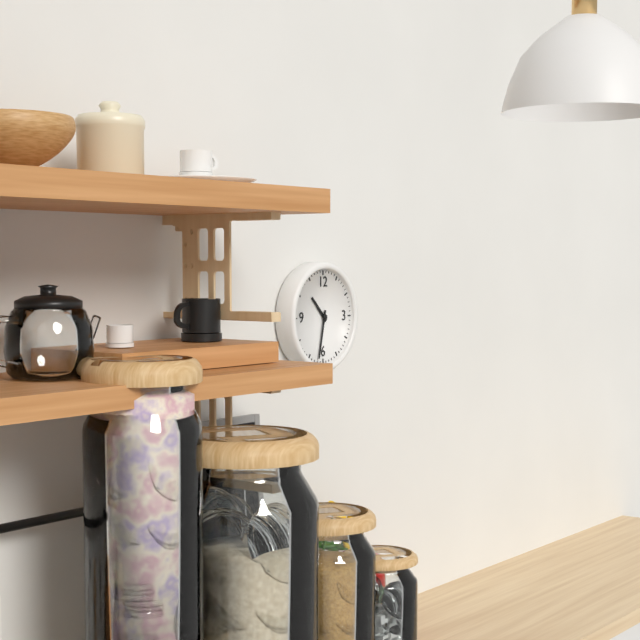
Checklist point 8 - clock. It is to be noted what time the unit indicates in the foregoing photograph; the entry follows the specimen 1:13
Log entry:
10:32
